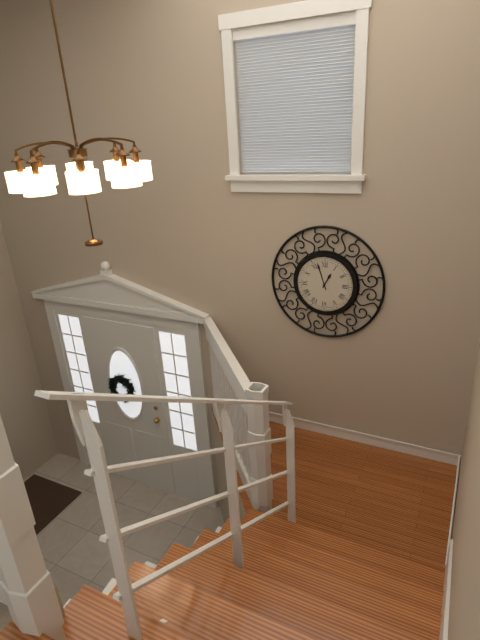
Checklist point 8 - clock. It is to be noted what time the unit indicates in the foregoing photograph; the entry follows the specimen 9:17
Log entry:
12:57
